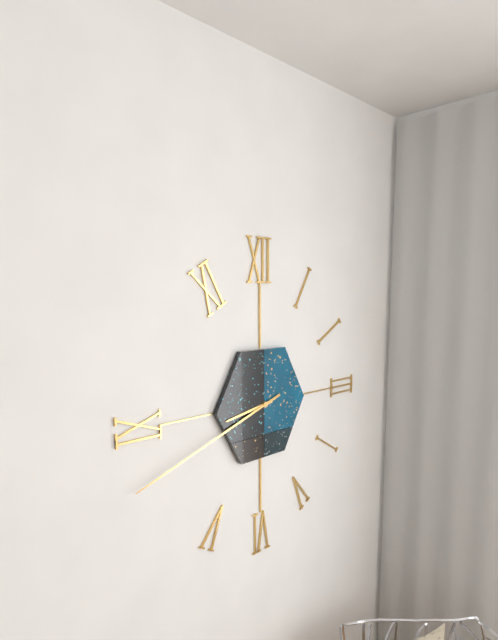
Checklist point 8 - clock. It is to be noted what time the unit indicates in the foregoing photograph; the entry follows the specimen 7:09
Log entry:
8:42
